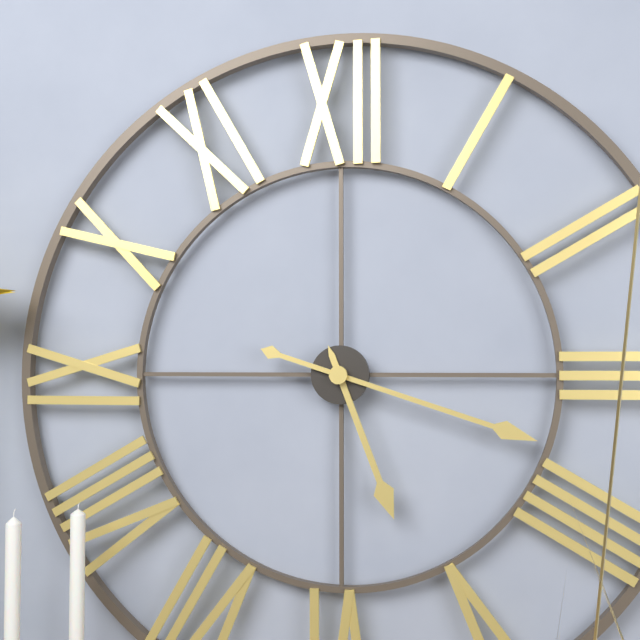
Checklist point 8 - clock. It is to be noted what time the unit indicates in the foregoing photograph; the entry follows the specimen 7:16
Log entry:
5:18
